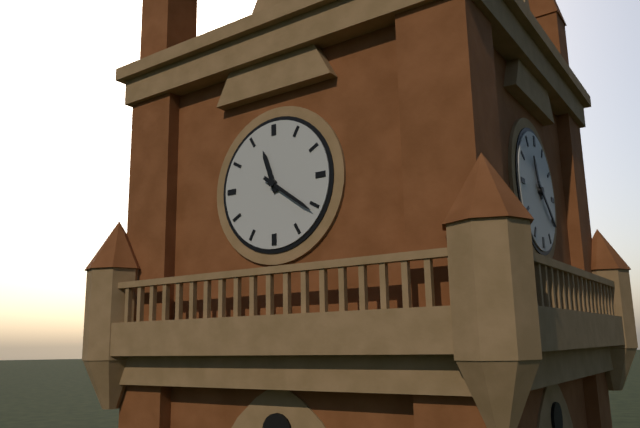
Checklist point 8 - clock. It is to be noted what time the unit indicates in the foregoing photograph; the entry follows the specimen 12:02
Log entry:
11:21
